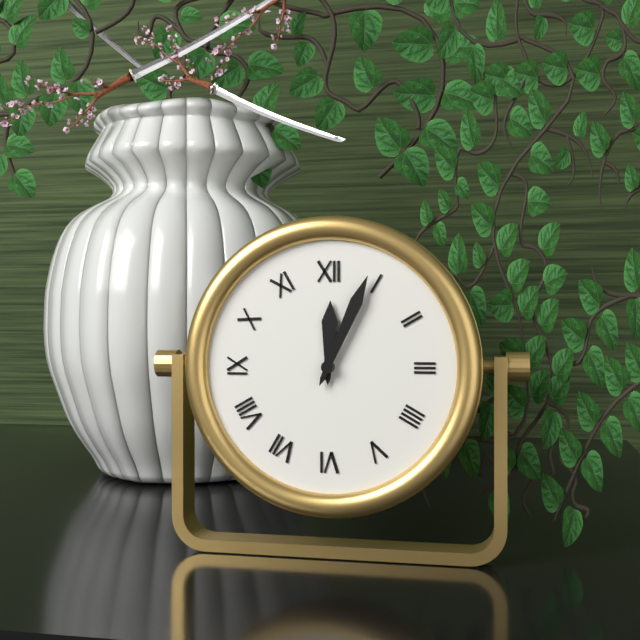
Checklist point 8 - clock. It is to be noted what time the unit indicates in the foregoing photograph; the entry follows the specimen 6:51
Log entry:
12:04
